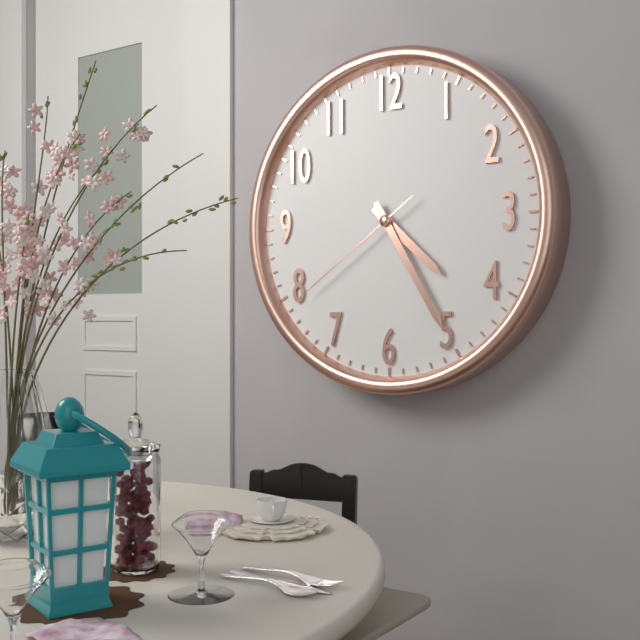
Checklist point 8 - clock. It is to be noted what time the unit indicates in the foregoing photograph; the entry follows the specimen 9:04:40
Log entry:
4:25:39
